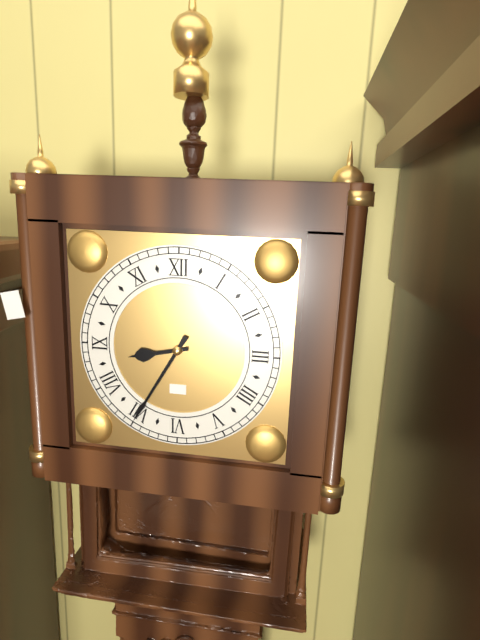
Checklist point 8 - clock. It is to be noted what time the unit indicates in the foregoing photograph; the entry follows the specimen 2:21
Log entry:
8:35
